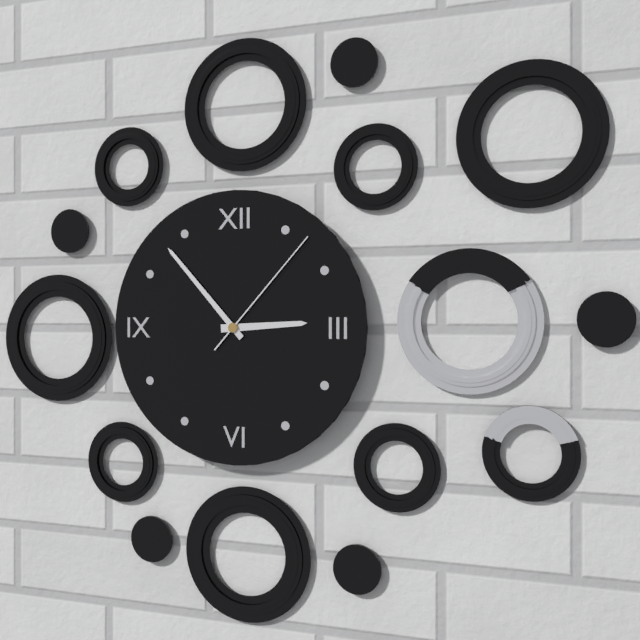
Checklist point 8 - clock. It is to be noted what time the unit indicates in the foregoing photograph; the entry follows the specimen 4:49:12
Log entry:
2:53:07
